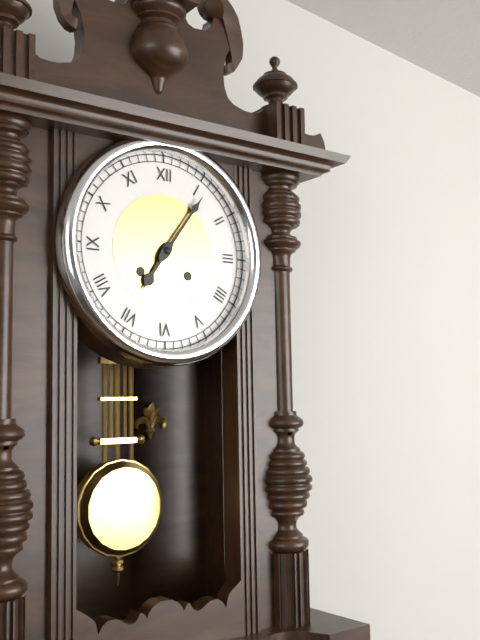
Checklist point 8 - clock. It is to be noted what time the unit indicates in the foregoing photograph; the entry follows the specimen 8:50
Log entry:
7:06
